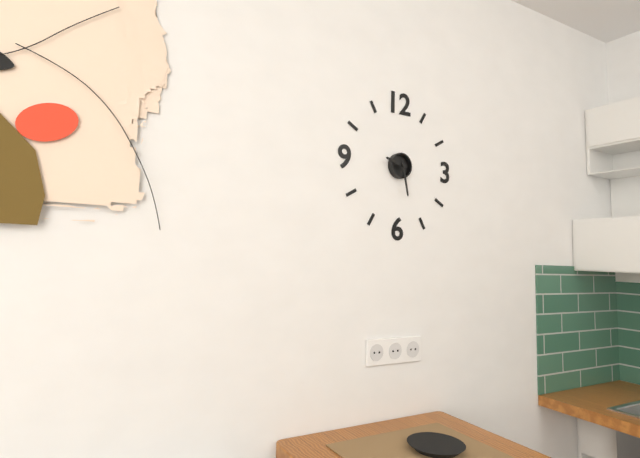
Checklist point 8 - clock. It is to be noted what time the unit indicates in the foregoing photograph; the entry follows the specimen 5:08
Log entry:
9:28
